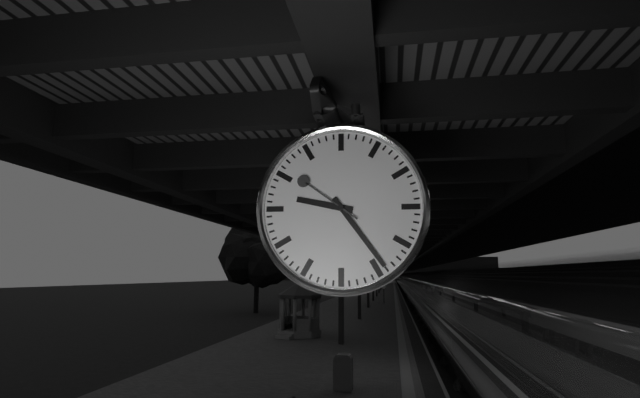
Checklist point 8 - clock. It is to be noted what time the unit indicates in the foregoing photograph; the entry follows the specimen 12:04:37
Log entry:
9:24:51
